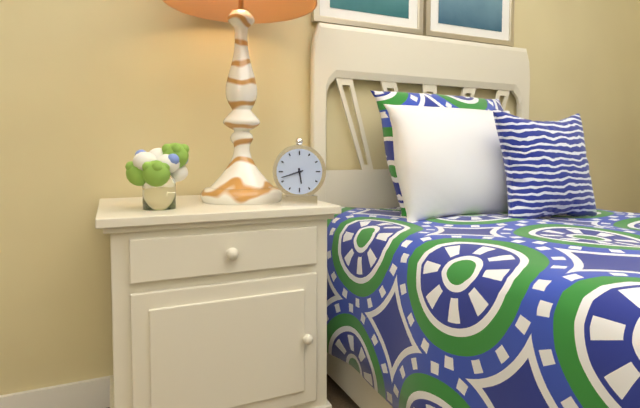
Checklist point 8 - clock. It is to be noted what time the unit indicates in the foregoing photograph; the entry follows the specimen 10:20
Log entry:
5:42
